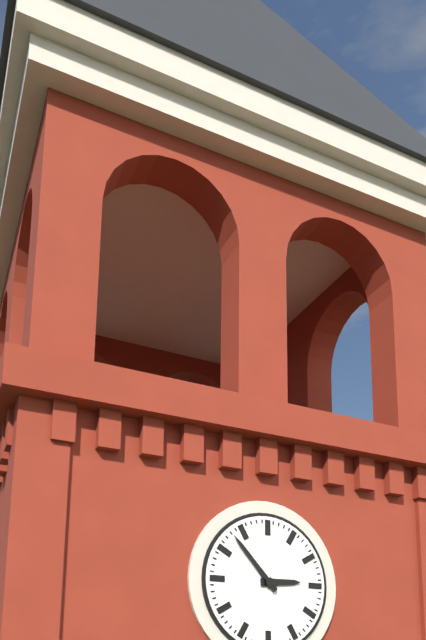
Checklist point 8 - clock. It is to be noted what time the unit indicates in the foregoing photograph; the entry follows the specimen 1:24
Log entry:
2:53
